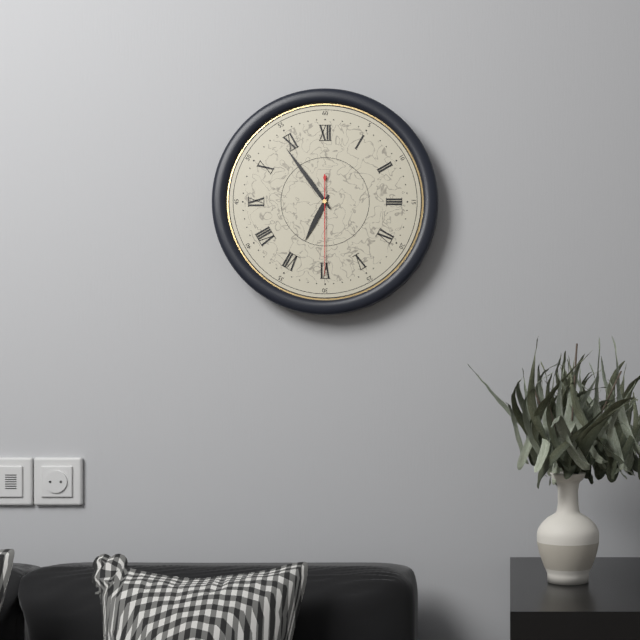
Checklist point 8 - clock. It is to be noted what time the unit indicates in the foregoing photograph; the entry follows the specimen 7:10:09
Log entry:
6:54:30
